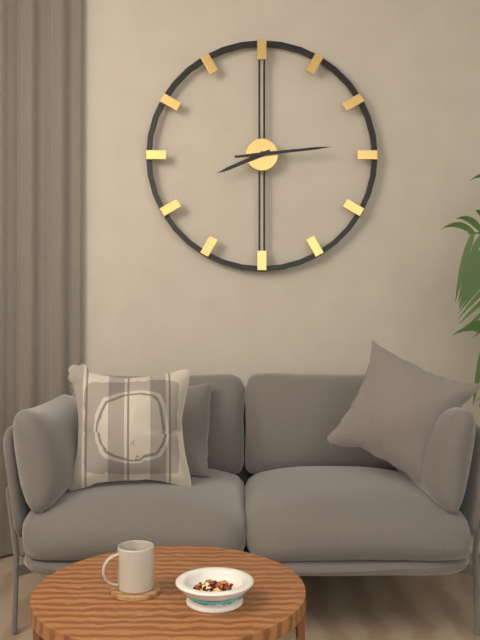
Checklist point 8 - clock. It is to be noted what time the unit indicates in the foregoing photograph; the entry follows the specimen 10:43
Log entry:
8:14
